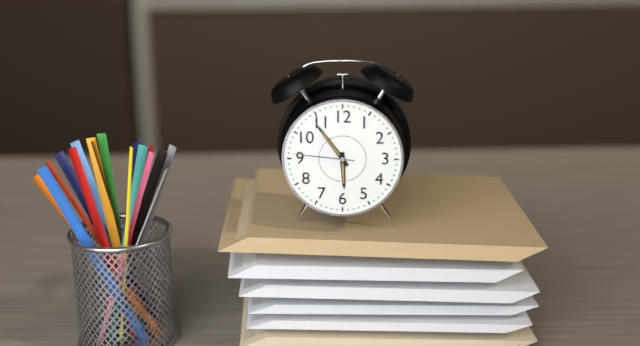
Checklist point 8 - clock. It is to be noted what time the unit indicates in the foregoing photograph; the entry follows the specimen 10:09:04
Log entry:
5:54:46
